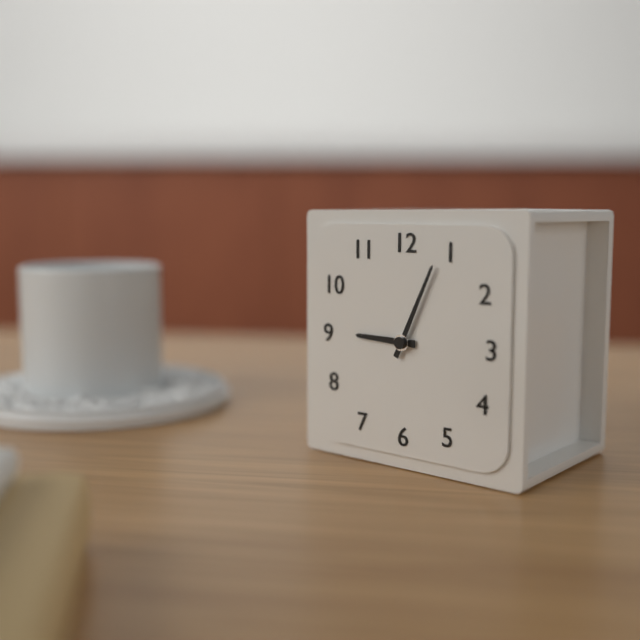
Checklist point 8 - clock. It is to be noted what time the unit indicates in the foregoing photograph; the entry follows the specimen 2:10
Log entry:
9:04
